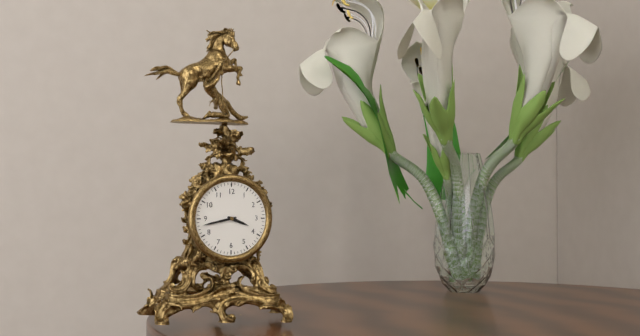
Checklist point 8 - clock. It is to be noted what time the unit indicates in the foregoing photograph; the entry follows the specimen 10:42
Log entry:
3:43
